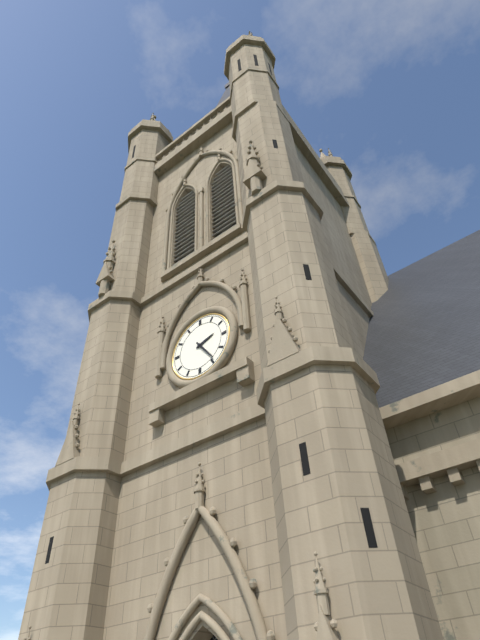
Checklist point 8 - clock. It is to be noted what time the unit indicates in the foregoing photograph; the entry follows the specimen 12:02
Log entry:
2:24
